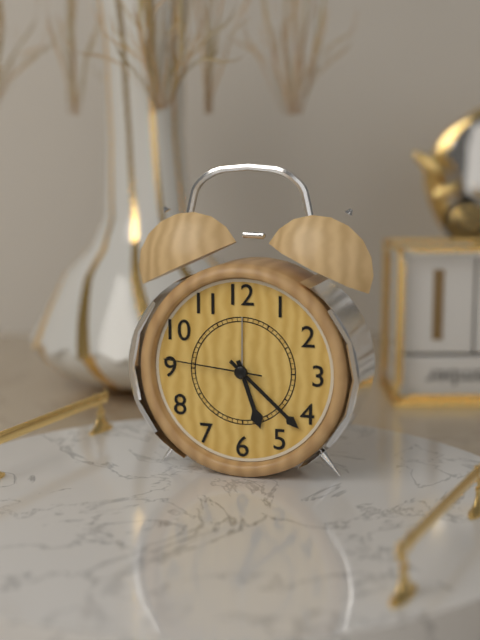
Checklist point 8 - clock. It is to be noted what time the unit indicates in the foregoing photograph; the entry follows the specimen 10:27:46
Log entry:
5:22:46
